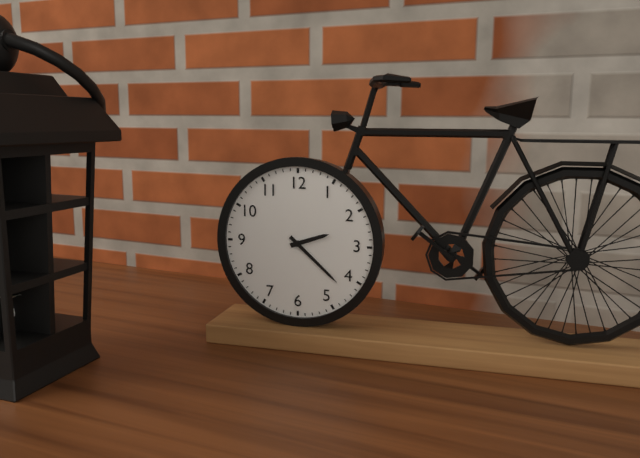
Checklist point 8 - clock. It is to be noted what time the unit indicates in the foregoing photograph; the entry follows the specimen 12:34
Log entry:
2:22
